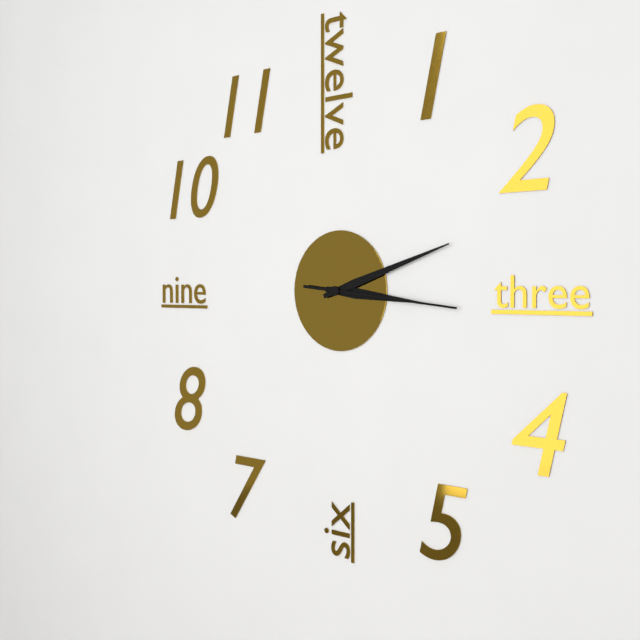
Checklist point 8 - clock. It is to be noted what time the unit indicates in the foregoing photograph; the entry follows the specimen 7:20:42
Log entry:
3:12:16
